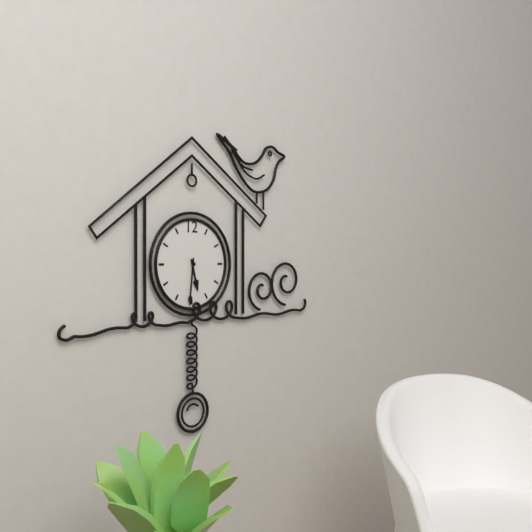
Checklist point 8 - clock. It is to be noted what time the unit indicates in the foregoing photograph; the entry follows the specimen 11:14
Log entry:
5:31
